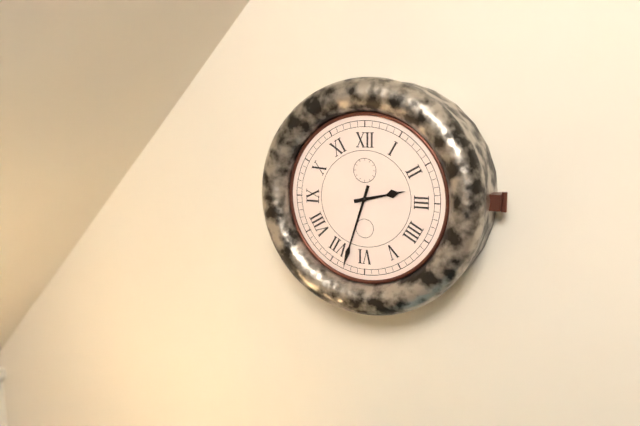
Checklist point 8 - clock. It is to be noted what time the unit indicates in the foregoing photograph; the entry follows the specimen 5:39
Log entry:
2:33
